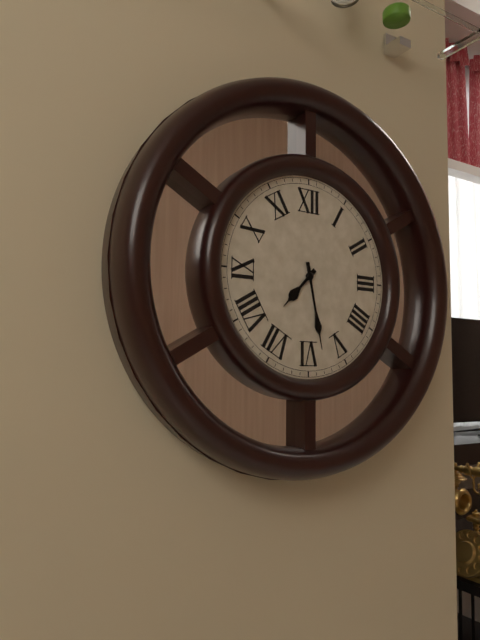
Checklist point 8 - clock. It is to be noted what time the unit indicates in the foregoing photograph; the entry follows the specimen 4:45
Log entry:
7:28
